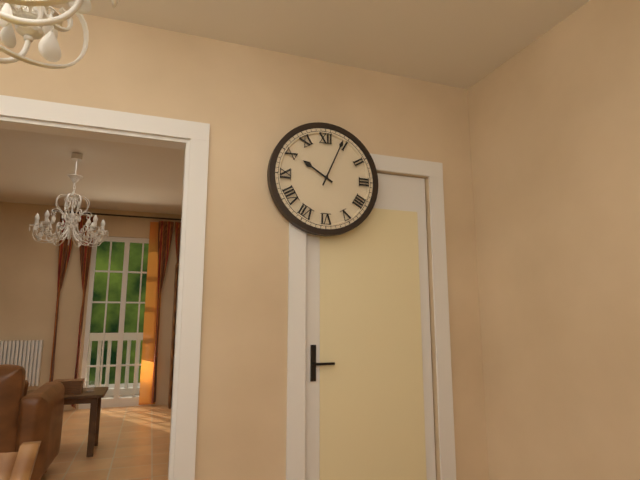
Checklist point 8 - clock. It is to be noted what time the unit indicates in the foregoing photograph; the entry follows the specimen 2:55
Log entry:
10:04
